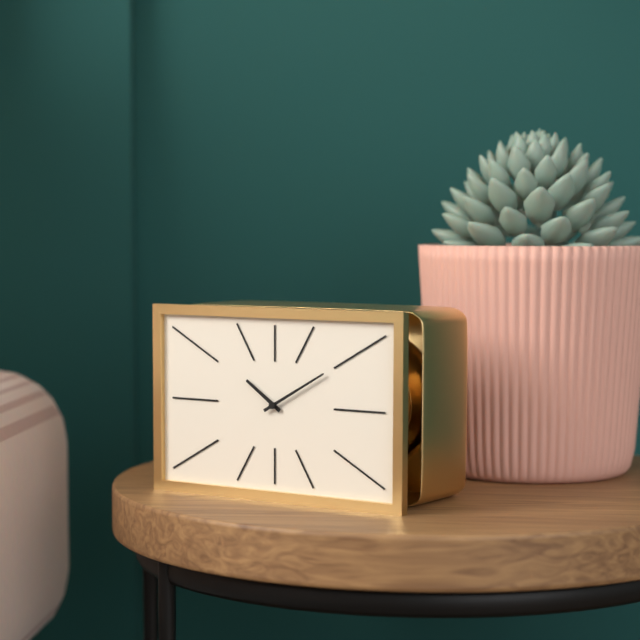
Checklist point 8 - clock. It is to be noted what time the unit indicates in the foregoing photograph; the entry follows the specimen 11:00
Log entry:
10:10
